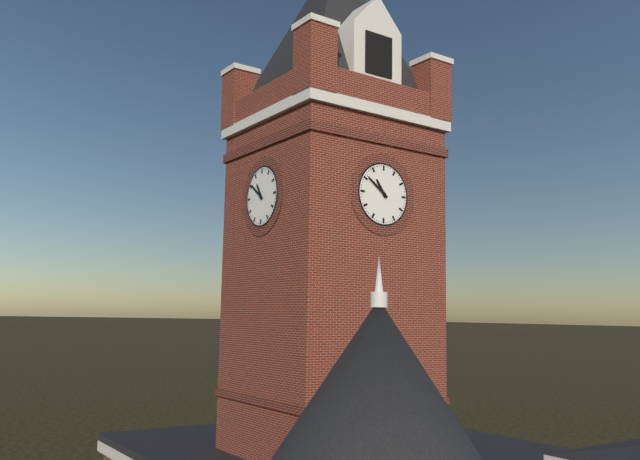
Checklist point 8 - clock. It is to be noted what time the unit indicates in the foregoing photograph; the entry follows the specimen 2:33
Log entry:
10:51
